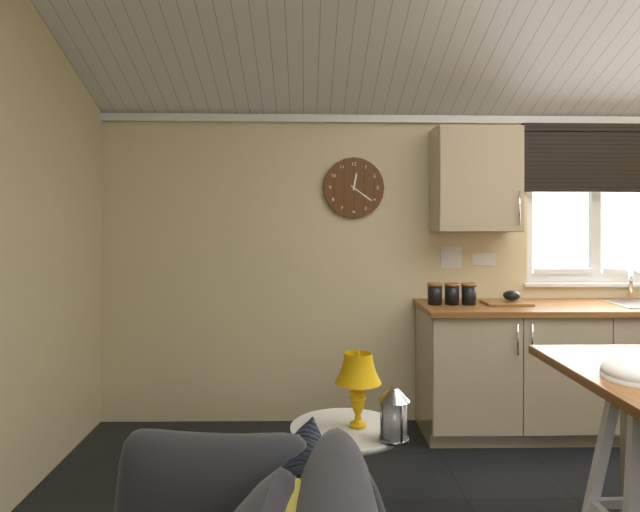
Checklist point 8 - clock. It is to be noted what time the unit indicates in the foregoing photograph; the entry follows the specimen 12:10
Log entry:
12:21
